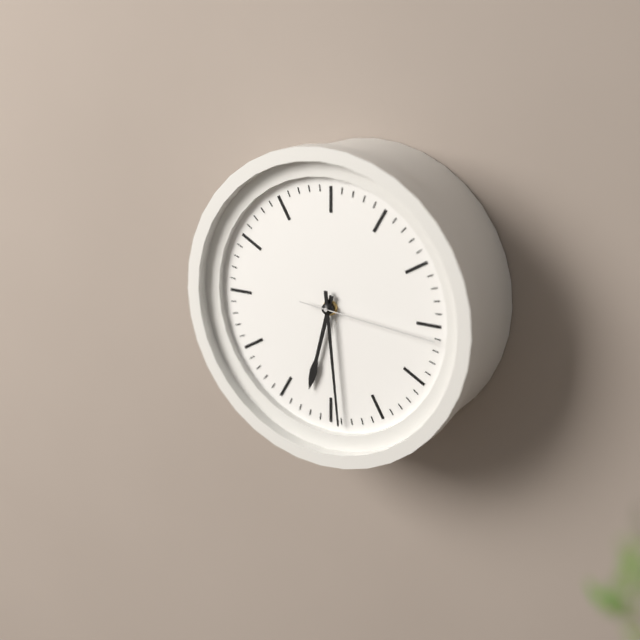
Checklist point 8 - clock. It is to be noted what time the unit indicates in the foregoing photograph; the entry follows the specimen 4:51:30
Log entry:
6:29:16
